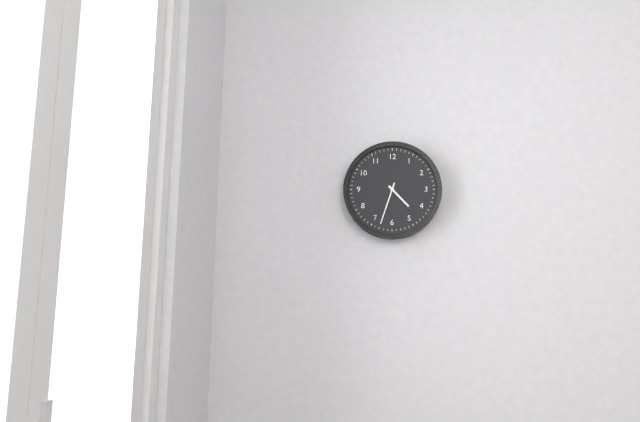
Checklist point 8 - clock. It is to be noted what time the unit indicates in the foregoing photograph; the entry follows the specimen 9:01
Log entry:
4:33
